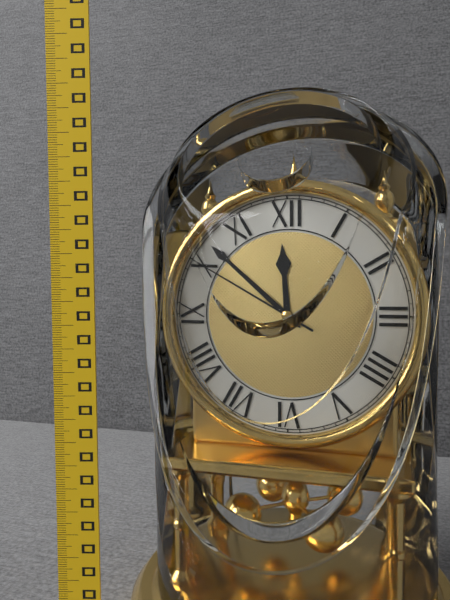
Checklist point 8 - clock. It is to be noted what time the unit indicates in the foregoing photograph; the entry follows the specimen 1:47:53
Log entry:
11:52:50
